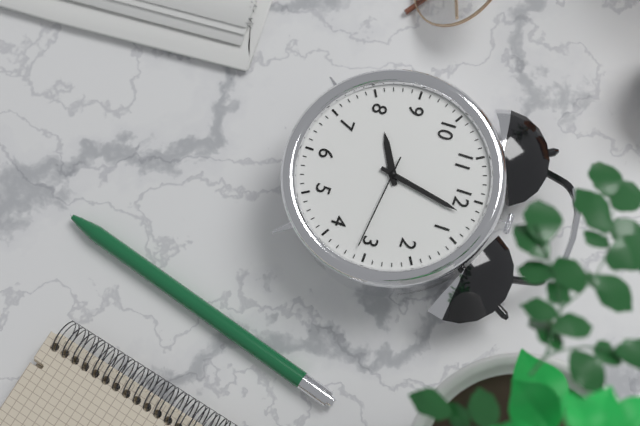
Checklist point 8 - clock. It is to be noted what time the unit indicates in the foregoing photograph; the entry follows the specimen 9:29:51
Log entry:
8:02:16
